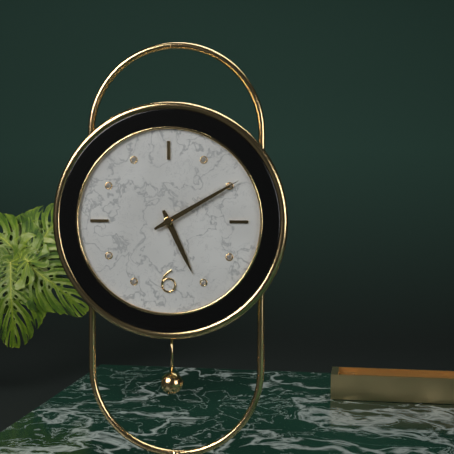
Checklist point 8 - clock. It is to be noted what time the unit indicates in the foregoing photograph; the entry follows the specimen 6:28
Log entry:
5:10
